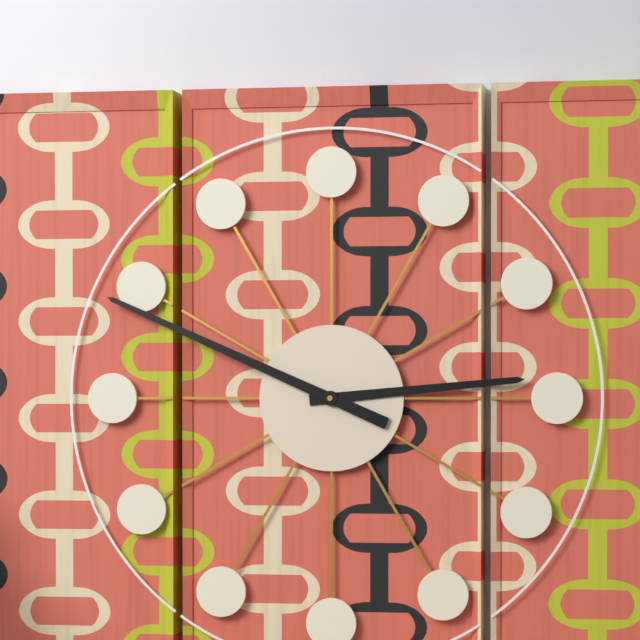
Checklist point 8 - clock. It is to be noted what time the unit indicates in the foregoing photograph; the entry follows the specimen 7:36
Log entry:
2:49
